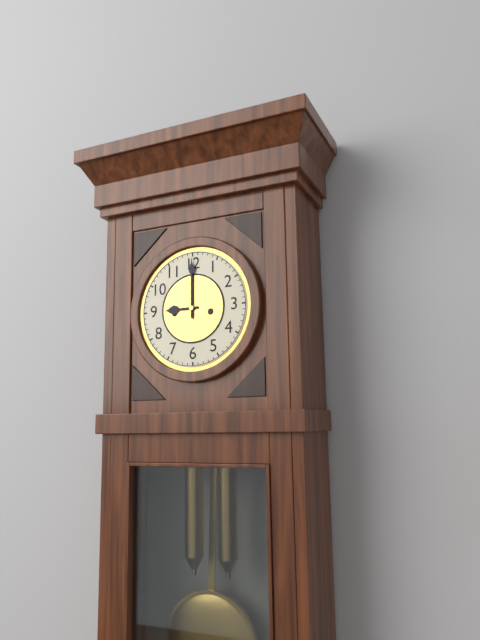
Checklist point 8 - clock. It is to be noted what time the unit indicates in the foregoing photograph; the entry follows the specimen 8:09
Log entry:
9:00
